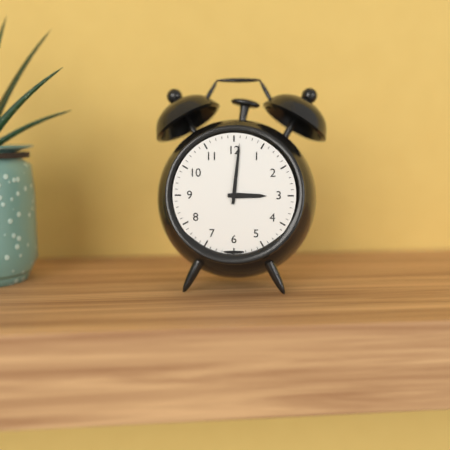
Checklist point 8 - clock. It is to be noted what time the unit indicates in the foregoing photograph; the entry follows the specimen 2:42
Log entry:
3:01
